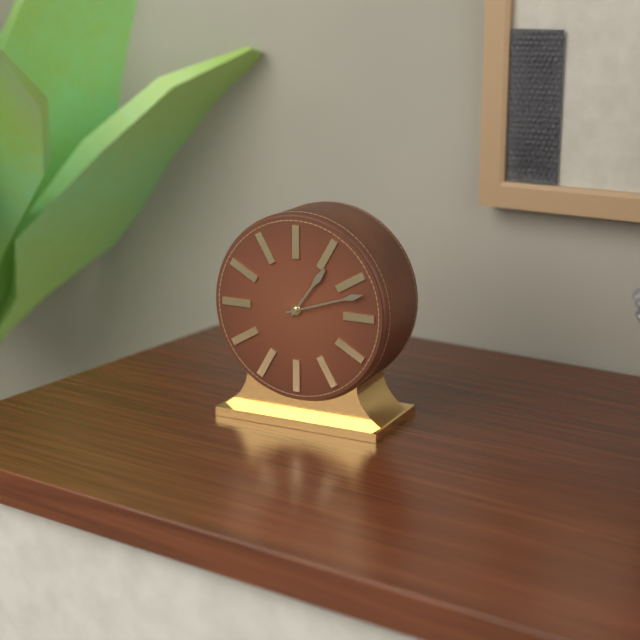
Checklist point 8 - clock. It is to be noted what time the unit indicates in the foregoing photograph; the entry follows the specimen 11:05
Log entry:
1:12
